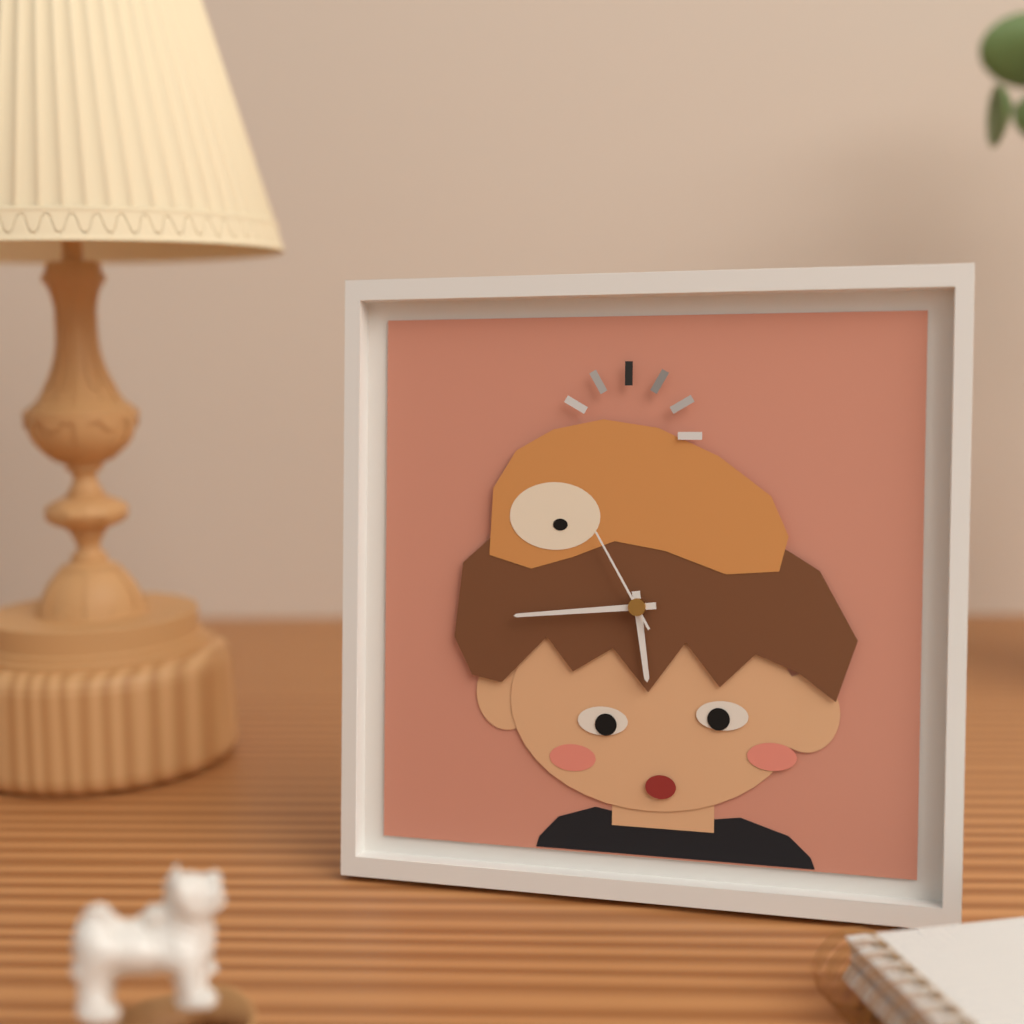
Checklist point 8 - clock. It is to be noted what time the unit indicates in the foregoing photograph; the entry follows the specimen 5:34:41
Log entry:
5:44:55
